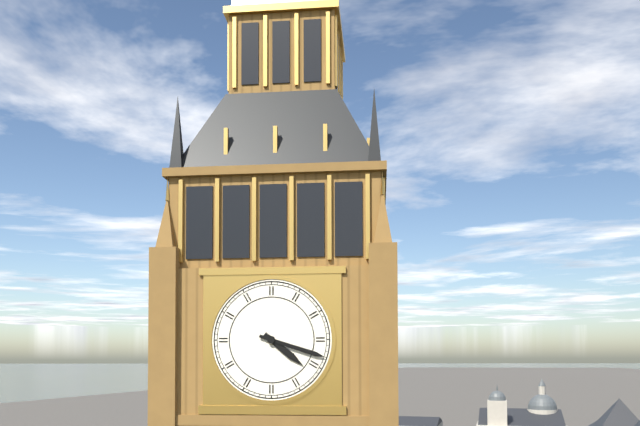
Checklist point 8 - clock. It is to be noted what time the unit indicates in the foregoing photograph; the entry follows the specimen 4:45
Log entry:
4:18
